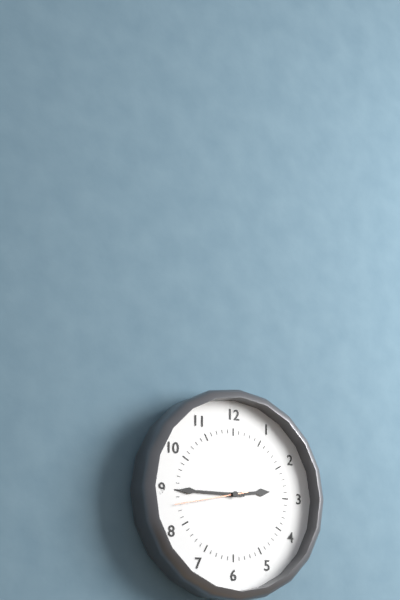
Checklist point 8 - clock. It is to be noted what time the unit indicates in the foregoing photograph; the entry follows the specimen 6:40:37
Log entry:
2:45:43
